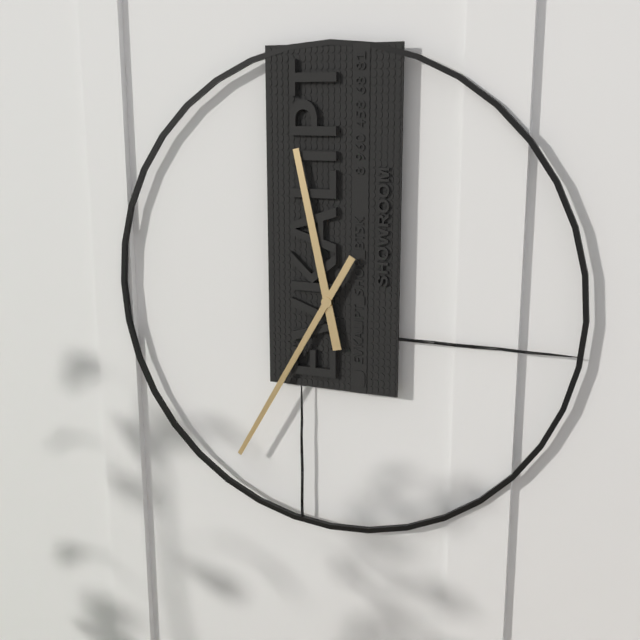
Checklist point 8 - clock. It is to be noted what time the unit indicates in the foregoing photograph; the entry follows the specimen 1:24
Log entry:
11:35
